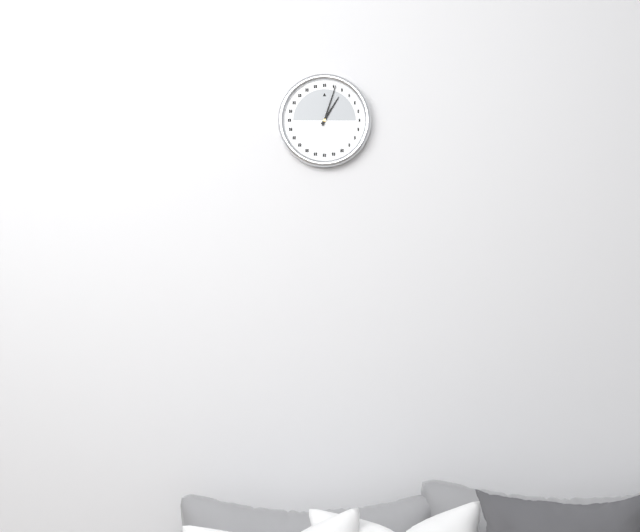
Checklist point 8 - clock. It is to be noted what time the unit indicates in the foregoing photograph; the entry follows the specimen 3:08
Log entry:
1:03
